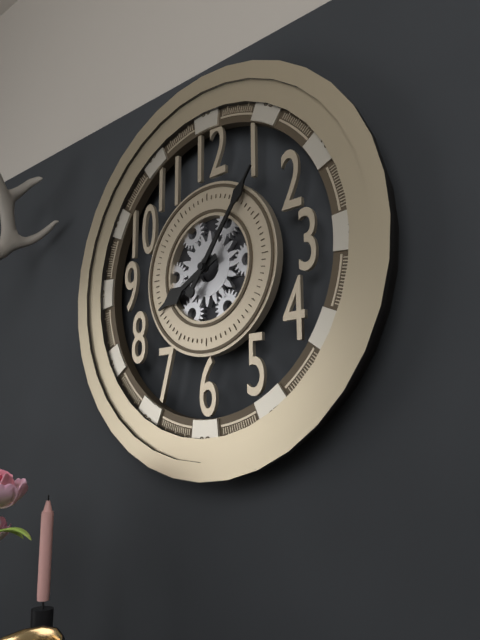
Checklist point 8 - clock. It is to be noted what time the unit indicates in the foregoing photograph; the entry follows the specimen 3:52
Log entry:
8:06
